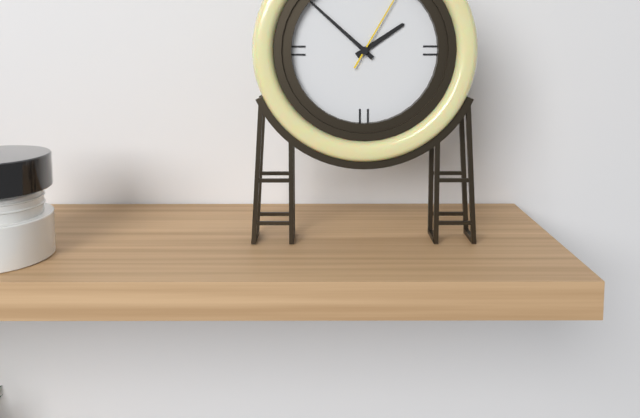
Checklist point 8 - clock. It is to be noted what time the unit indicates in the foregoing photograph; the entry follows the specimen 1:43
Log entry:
1:52
